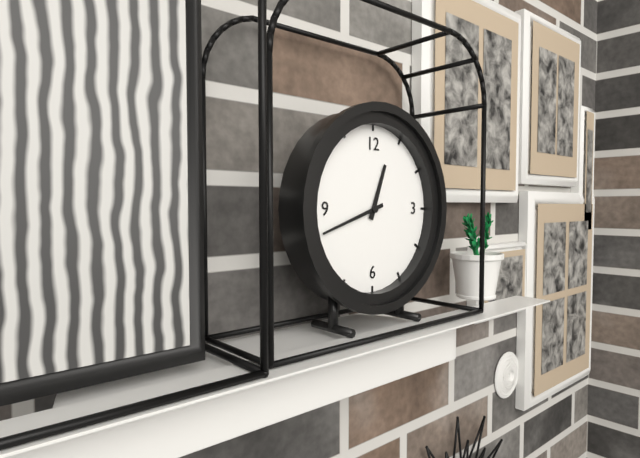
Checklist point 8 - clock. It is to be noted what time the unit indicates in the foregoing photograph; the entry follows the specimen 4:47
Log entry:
12:42
